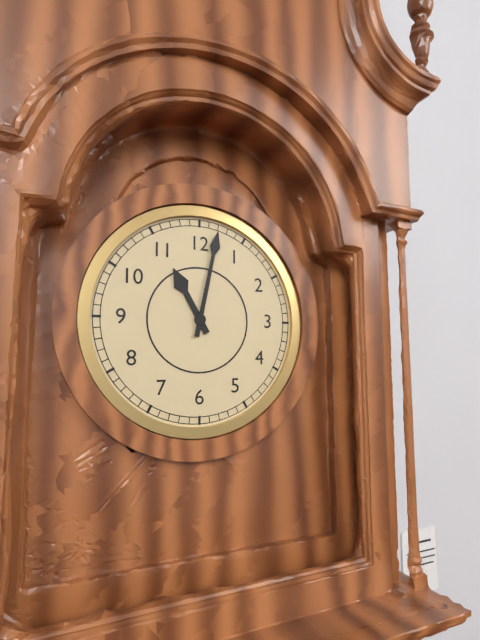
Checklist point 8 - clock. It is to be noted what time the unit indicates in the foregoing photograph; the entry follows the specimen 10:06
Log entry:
11:02
